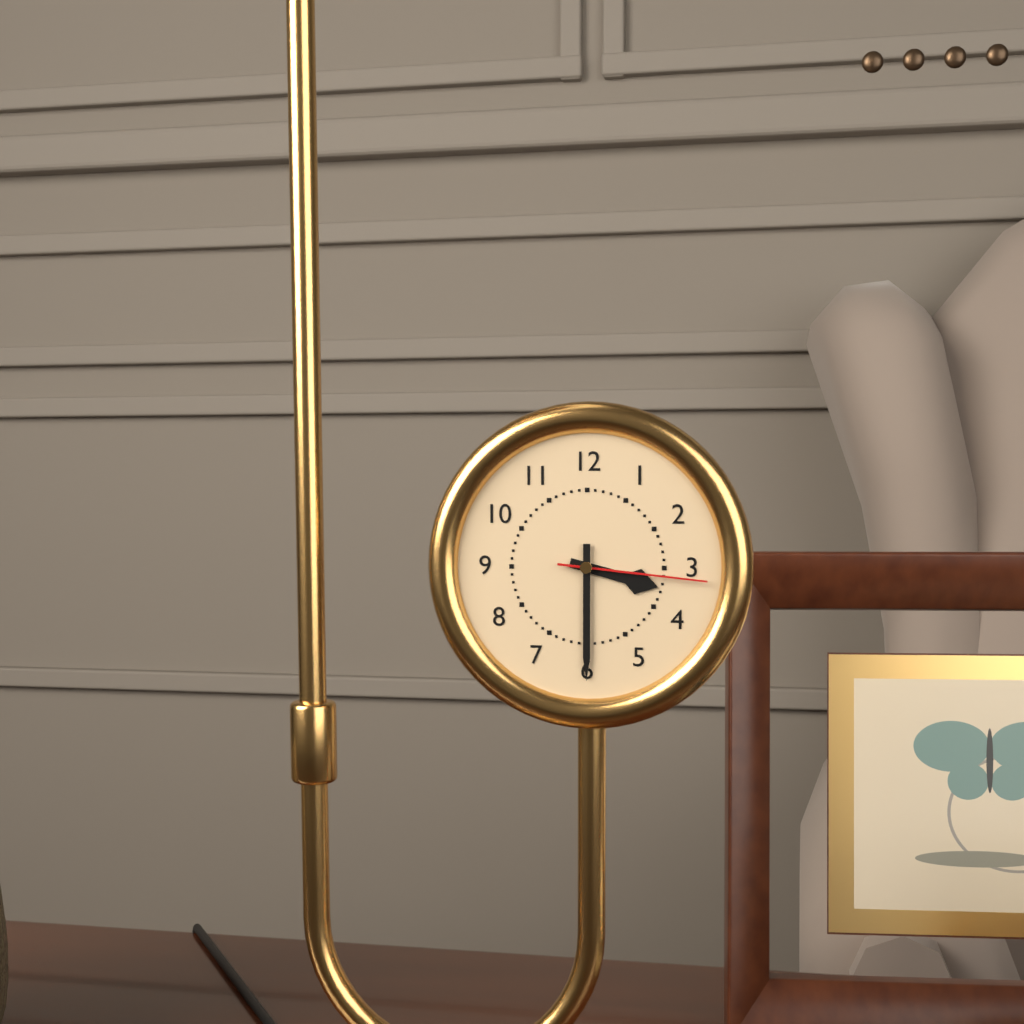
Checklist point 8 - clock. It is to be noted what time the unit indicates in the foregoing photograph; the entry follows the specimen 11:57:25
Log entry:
3:30:16
